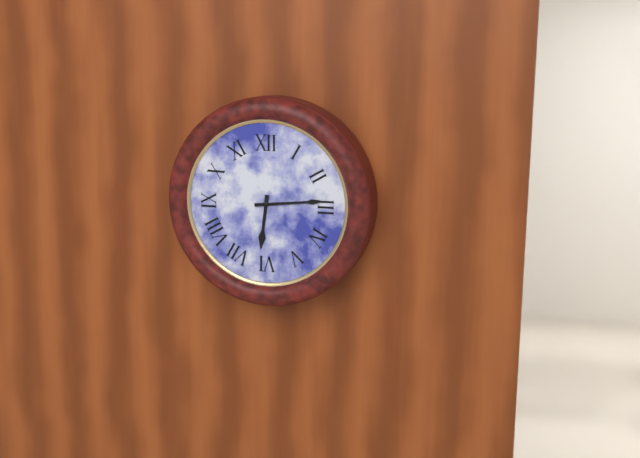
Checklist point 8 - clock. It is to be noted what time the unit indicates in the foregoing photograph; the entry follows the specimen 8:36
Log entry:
6:14
